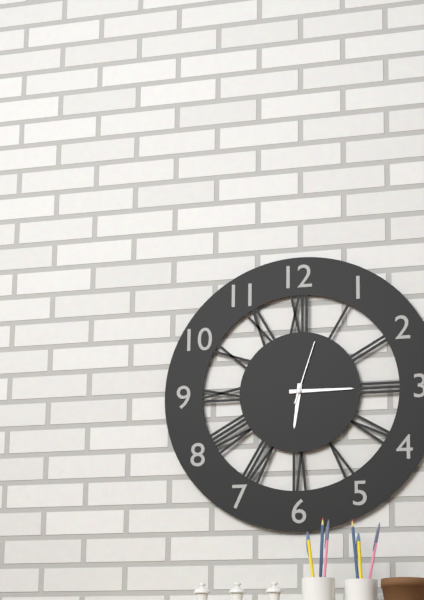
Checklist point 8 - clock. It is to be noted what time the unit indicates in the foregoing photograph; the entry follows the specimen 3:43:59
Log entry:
6:15:03
